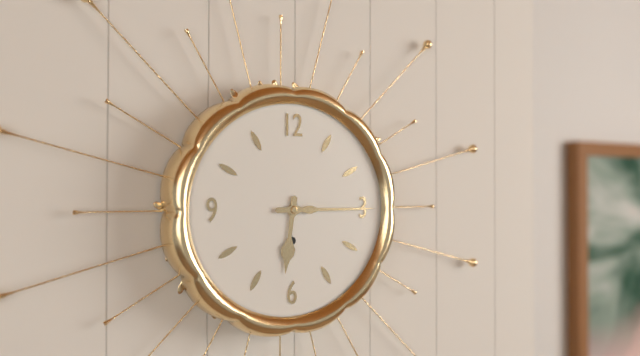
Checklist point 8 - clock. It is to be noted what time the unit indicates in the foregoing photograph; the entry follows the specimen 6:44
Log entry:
6:15
